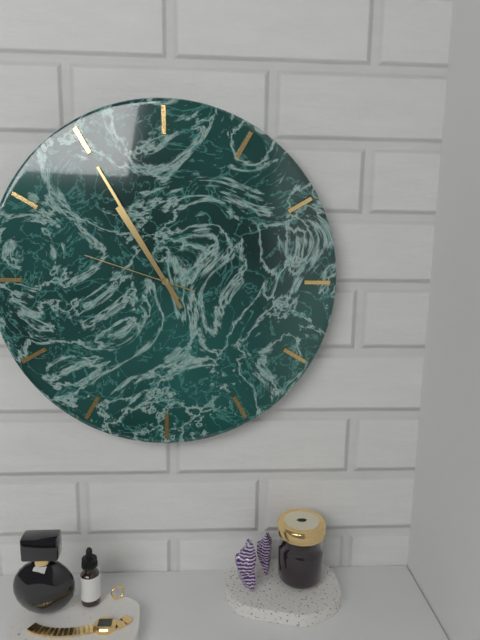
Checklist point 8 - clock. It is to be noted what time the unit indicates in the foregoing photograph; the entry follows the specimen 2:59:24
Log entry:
10:55:48
